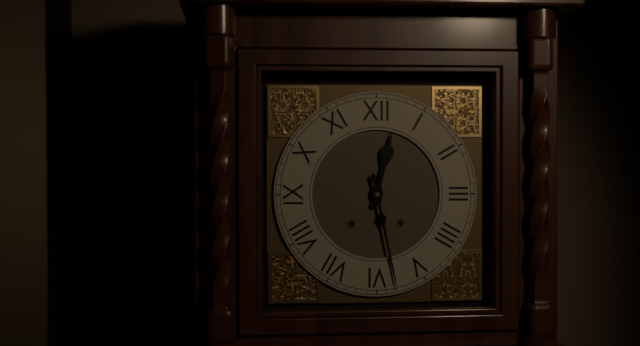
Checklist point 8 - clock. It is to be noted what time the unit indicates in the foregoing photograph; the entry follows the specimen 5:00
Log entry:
12:28
